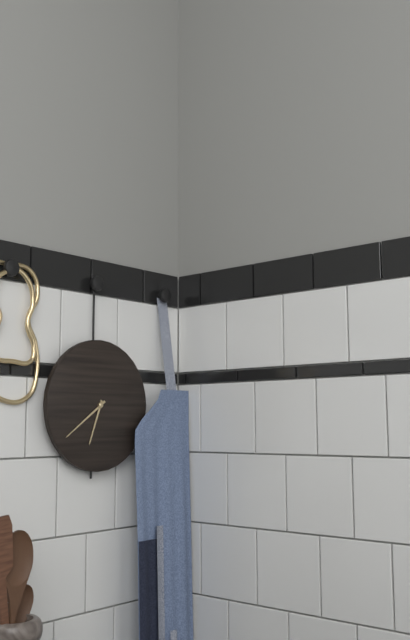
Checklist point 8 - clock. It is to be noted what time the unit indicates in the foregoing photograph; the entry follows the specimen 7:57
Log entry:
6:39
